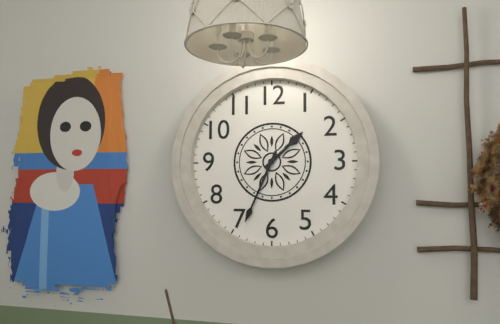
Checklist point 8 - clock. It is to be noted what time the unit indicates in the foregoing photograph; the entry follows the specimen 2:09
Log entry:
1:34
